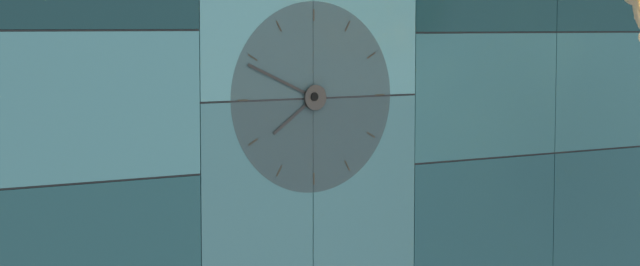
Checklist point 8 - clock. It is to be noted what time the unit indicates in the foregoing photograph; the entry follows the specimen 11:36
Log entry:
7:49
